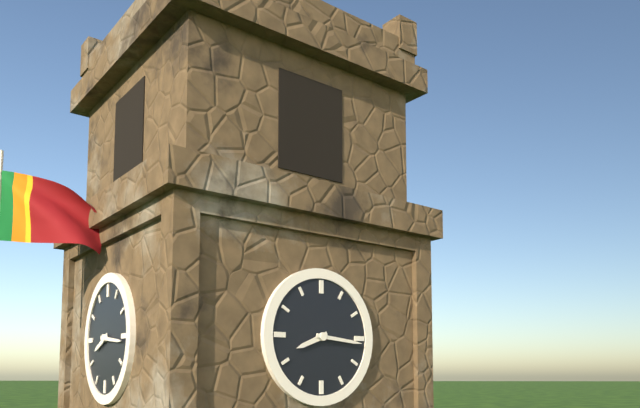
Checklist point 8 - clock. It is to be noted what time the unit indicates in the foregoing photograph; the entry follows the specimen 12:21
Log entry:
8:16
